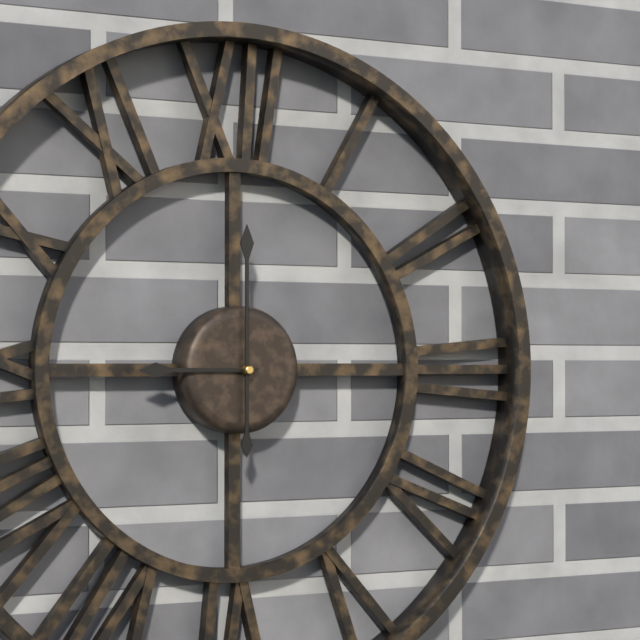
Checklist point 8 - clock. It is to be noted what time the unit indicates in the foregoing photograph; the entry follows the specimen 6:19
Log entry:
9:00
